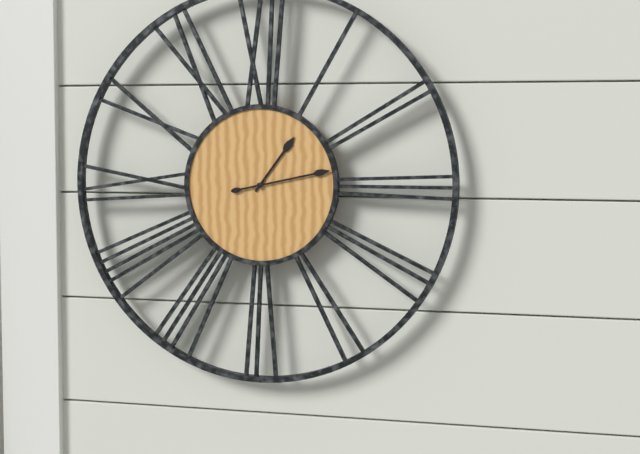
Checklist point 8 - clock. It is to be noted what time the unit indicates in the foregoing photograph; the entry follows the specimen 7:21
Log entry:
1:13
